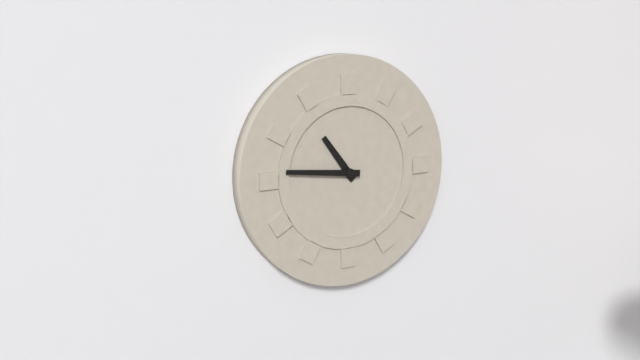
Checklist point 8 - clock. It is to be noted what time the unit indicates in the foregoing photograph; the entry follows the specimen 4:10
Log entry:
10:46
